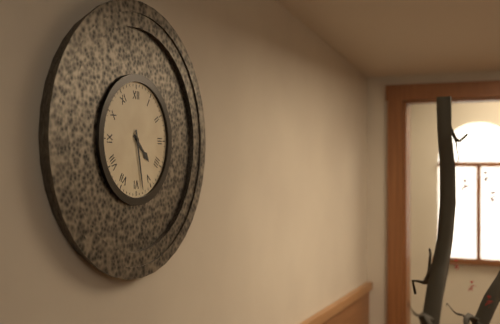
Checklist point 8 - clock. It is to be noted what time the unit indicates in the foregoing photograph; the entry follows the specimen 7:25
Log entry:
4:28
